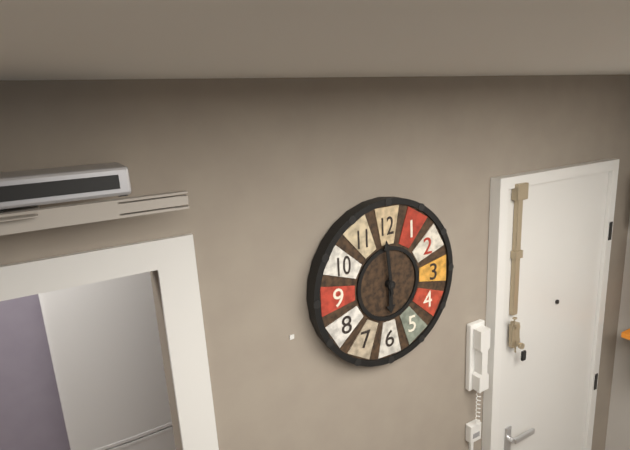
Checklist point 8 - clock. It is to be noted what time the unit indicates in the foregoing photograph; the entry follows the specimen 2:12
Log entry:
5:59
